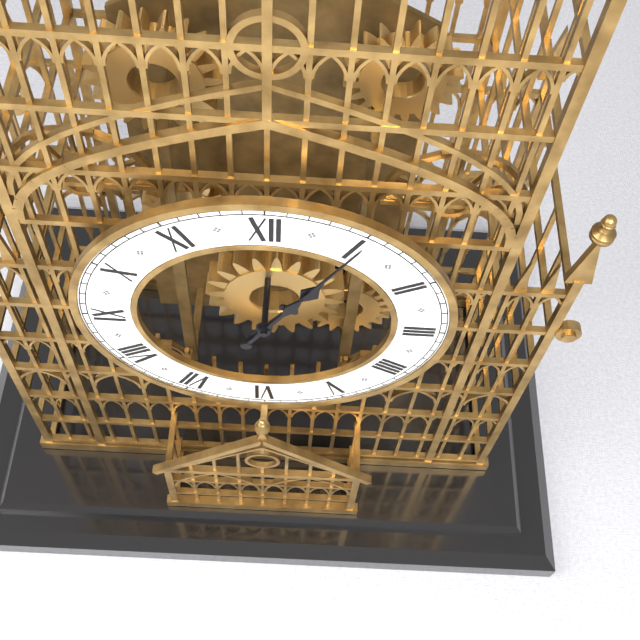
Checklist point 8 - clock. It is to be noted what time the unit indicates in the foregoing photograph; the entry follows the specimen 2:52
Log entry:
1:05
